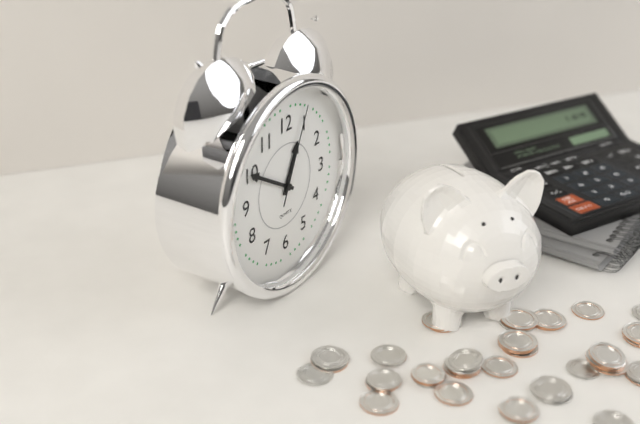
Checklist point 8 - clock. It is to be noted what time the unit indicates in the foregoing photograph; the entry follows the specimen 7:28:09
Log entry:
12:50:04
